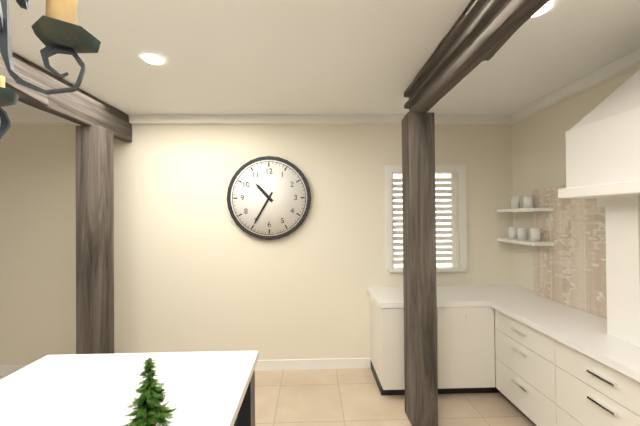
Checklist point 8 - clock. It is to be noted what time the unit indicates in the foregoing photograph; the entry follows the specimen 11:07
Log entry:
10:35
